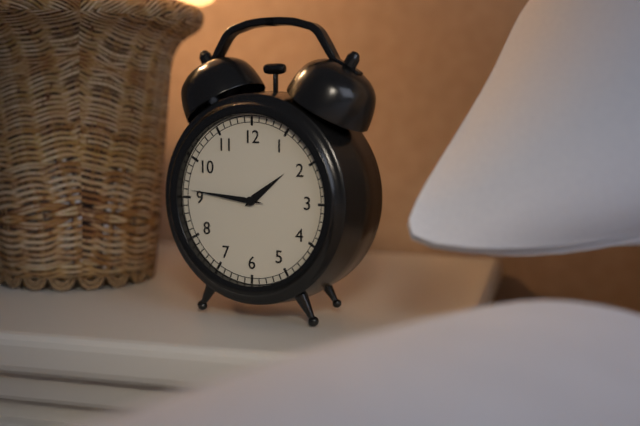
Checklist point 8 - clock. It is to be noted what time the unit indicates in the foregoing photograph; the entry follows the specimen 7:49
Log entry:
1:46
